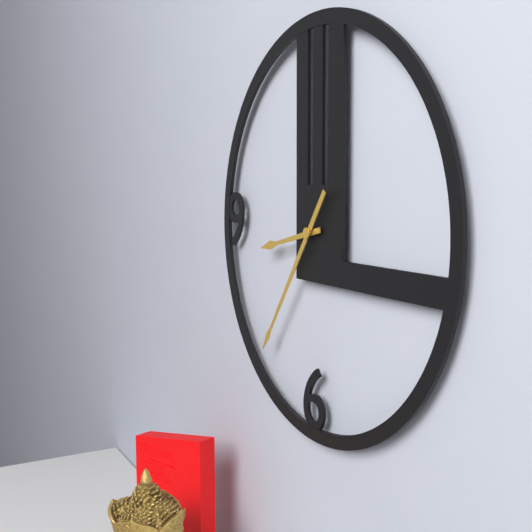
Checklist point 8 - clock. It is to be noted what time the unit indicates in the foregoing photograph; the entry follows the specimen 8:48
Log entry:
8:36
